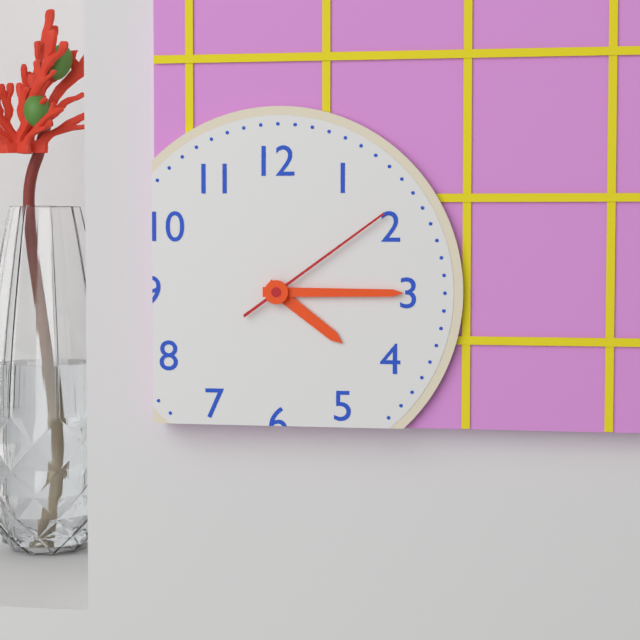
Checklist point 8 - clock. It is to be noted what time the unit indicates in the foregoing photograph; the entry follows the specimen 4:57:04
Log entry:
4:15:09
